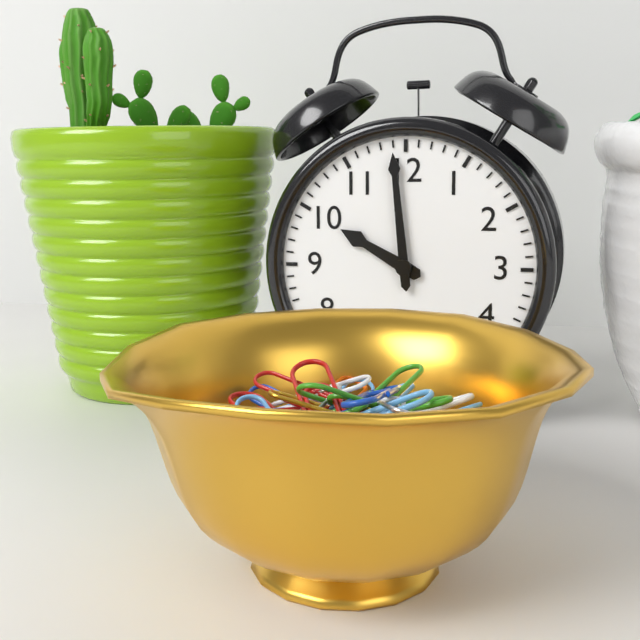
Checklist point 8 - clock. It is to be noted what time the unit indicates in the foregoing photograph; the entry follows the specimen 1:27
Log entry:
9:59
